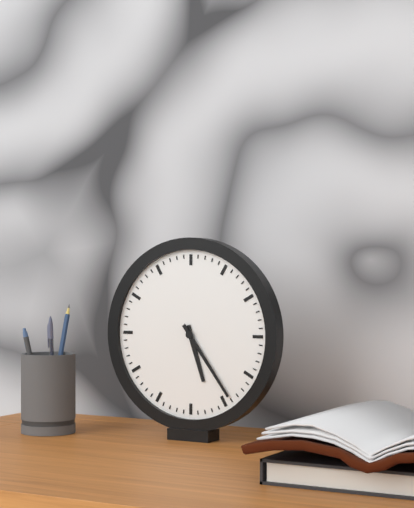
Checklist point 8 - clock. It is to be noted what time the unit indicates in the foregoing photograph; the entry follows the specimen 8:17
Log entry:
5:24
